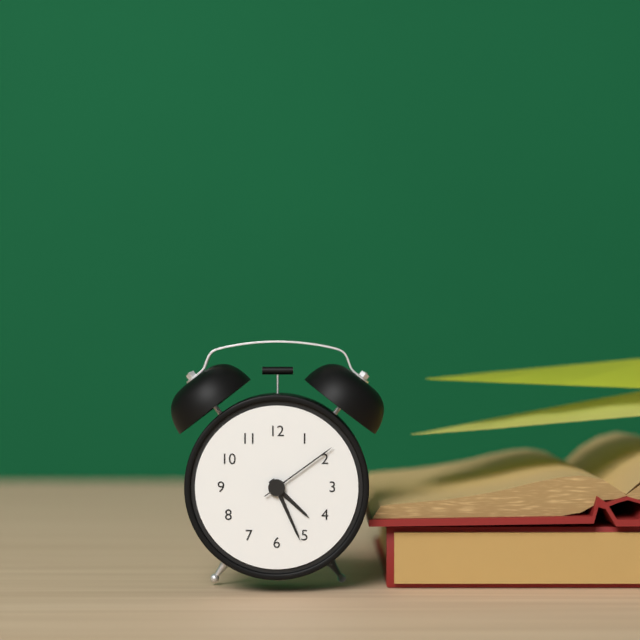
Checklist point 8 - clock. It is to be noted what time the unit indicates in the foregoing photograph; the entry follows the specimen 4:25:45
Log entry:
4:26:09
